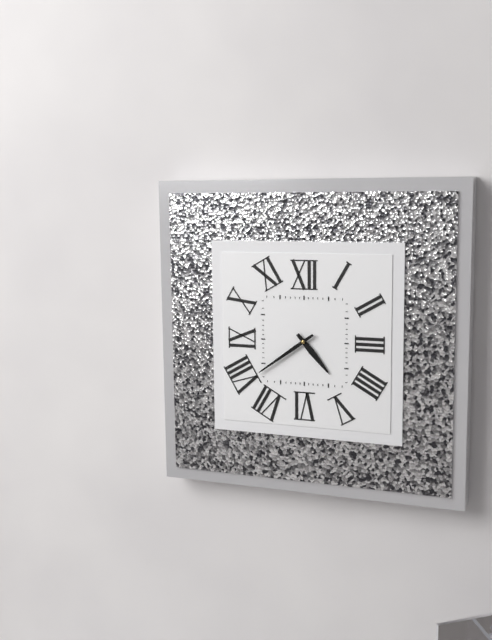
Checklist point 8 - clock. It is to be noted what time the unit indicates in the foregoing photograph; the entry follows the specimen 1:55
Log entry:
4:39
